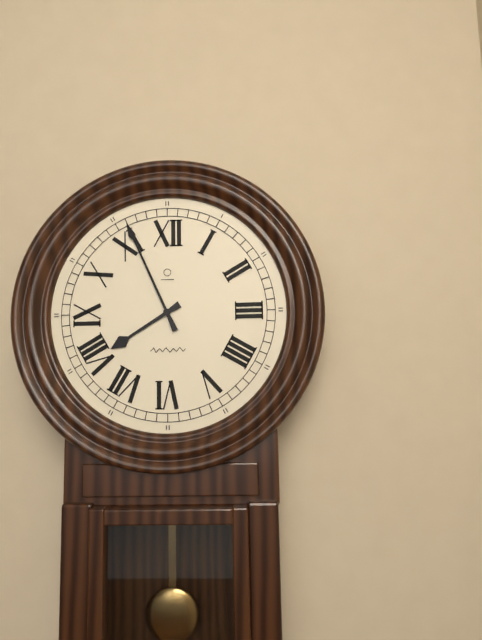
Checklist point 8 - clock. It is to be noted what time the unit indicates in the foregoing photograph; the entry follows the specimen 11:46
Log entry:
7:56
